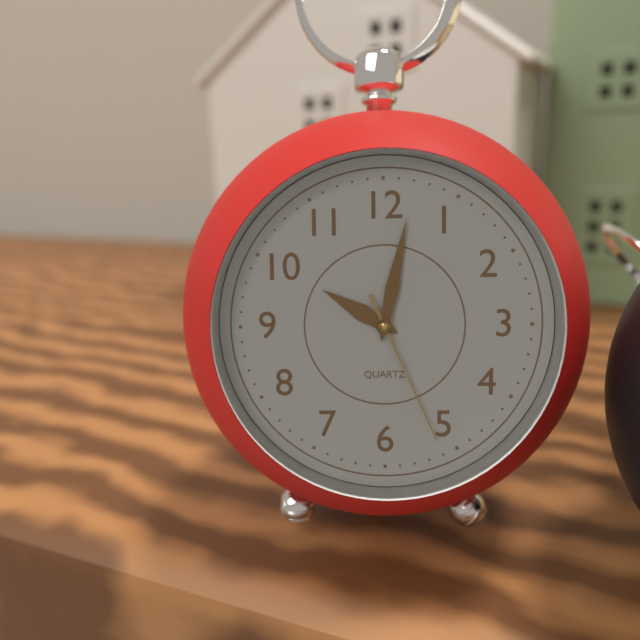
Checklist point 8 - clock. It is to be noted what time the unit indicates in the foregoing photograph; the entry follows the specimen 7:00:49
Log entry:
10:02:26
